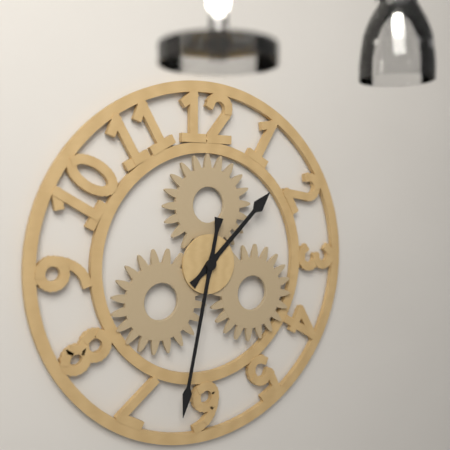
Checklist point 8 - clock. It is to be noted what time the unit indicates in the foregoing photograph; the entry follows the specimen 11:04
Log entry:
1:32
